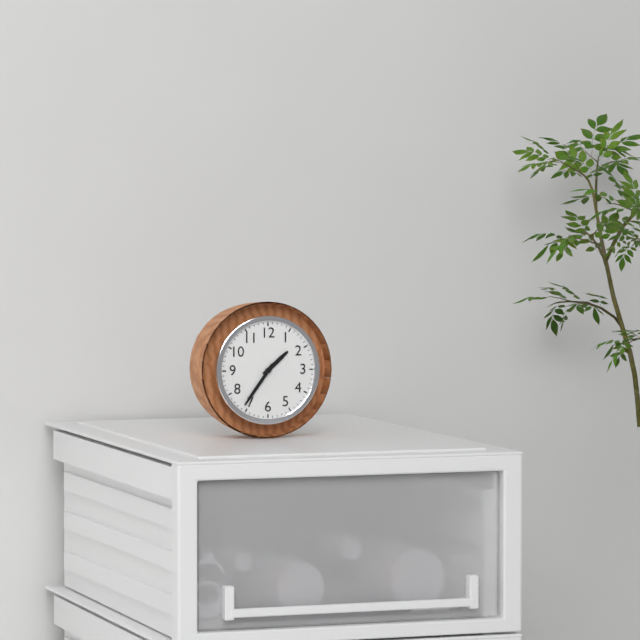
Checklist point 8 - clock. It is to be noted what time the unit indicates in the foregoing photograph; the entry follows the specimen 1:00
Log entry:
1:36
